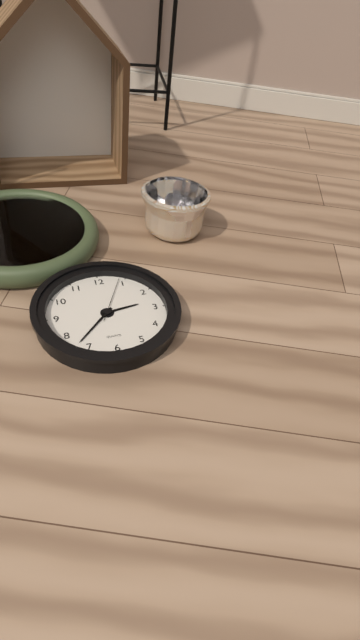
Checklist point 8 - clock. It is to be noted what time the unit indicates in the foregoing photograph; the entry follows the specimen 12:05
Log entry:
2:37
